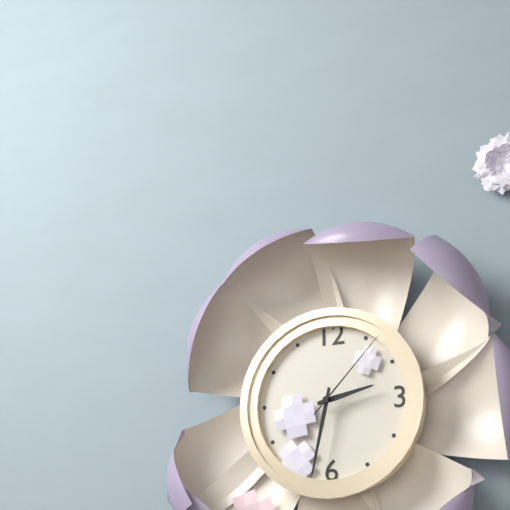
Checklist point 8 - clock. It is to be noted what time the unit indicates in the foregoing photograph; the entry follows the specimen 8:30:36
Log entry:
2:32:07
